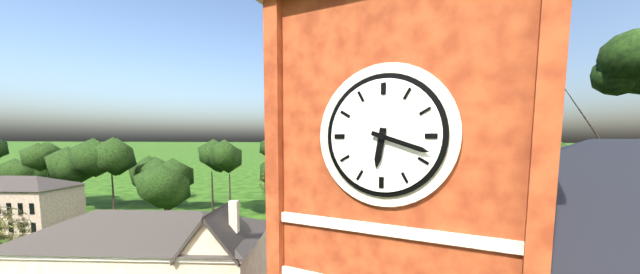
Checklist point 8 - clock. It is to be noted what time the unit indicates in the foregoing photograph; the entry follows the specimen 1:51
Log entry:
6:18
